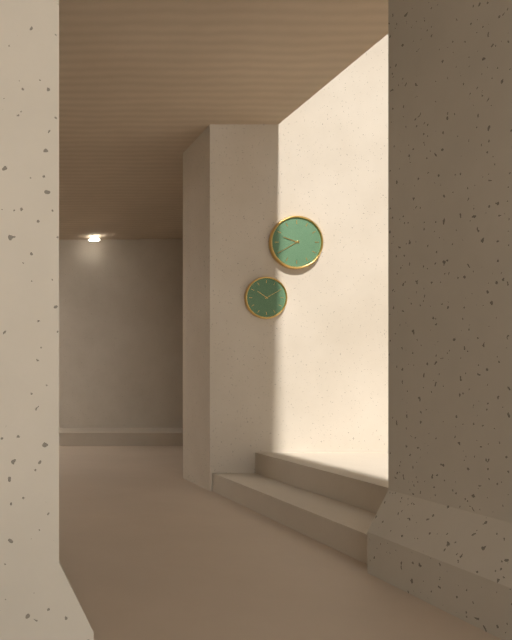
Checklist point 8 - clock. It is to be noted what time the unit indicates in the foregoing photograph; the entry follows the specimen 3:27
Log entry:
9:40
